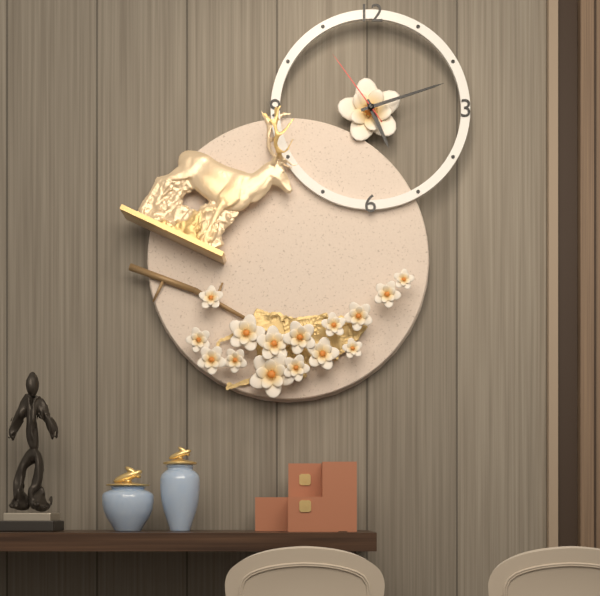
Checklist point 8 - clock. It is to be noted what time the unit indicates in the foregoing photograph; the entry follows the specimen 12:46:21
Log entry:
5:12:54
